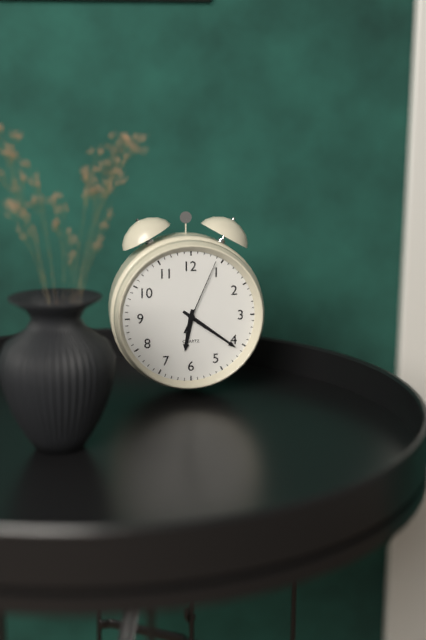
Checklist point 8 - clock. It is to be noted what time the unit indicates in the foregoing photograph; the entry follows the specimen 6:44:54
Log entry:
6:21:04
